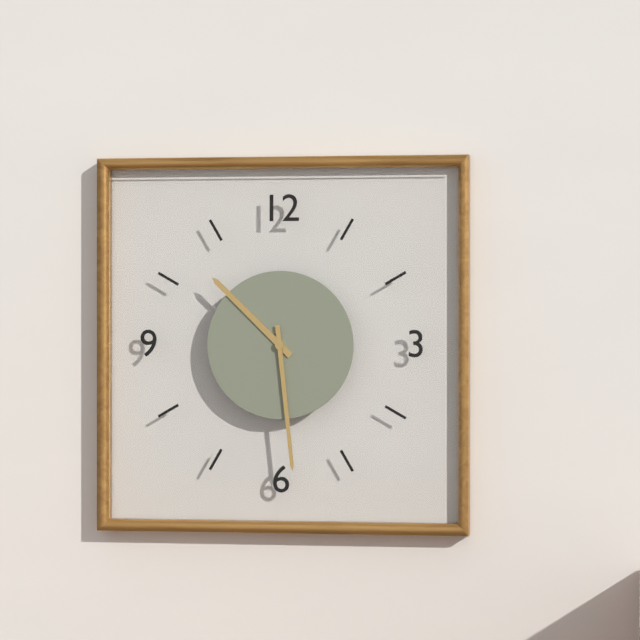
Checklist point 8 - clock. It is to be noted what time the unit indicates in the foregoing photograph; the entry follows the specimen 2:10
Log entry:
10:29
